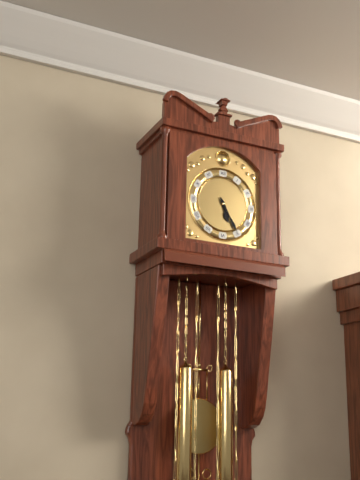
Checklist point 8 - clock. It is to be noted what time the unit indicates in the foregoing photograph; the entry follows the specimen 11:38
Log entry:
5:25
